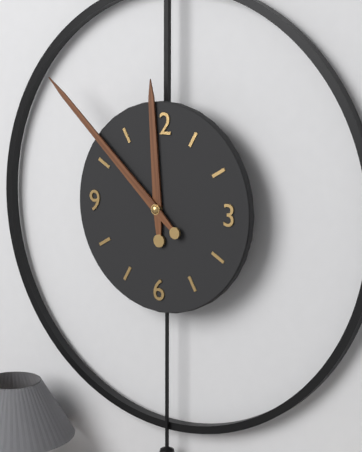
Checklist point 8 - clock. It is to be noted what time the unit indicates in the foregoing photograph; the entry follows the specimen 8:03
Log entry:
11:52
